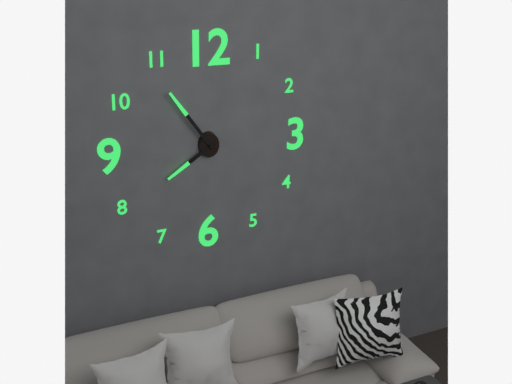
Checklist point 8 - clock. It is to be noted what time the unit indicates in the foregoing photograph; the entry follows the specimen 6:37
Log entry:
7:54
